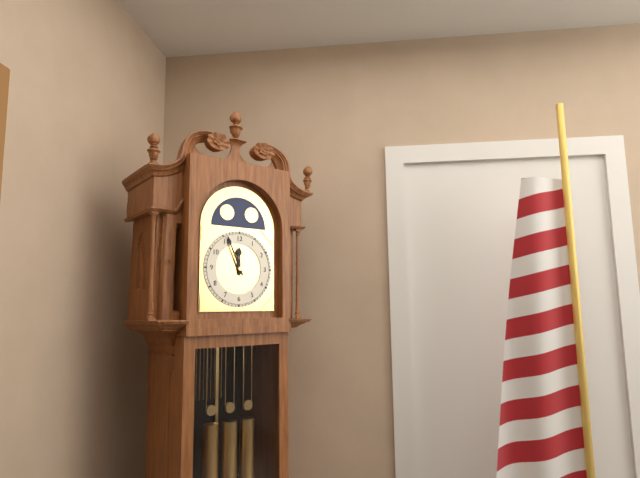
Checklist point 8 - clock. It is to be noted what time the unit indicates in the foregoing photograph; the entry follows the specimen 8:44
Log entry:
11:56
